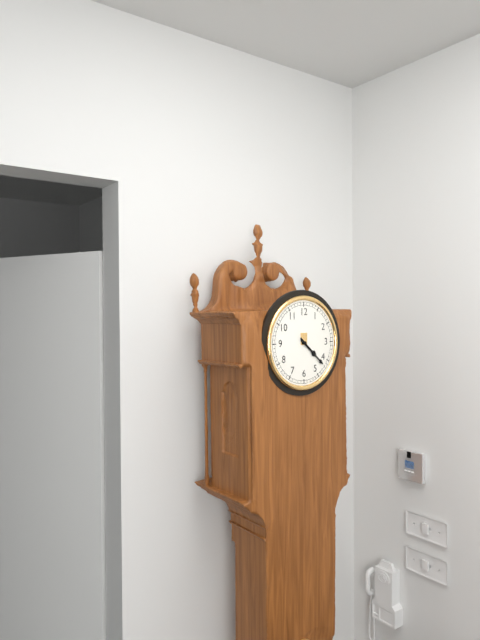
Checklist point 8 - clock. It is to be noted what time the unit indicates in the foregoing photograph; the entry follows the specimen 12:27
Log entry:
4:22
